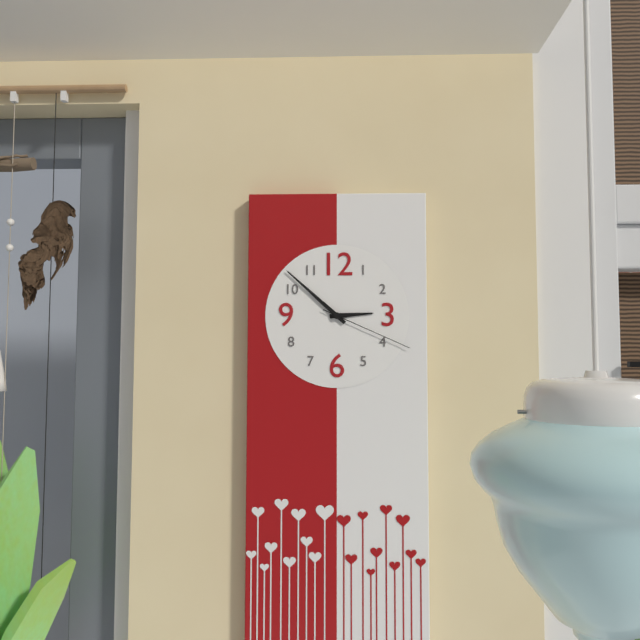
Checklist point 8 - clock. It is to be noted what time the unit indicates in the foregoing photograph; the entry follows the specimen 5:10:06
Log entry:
2:52:19
